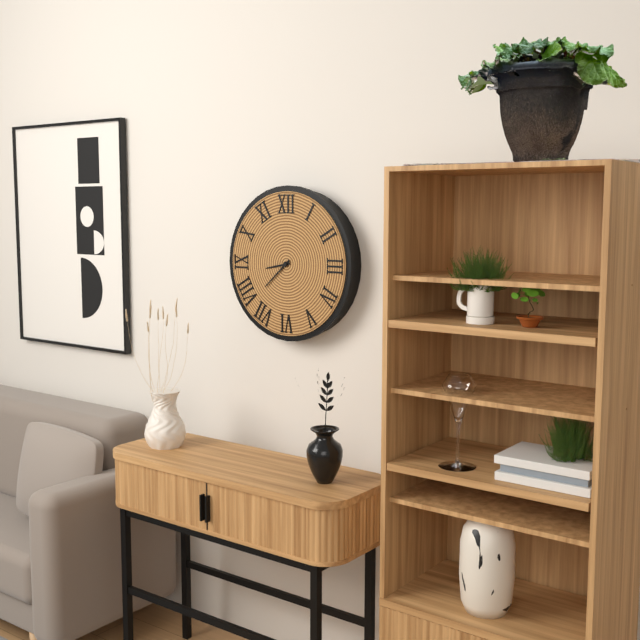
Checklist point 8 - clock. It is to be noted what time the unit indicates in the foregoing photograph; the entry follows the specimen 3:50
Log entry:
8:38
